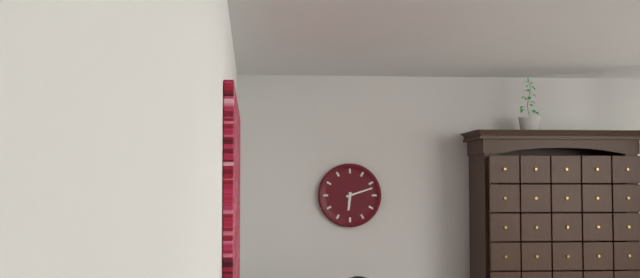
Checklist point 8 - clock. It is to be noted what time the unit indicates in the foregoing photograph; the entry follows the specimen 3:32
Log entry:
6:12
